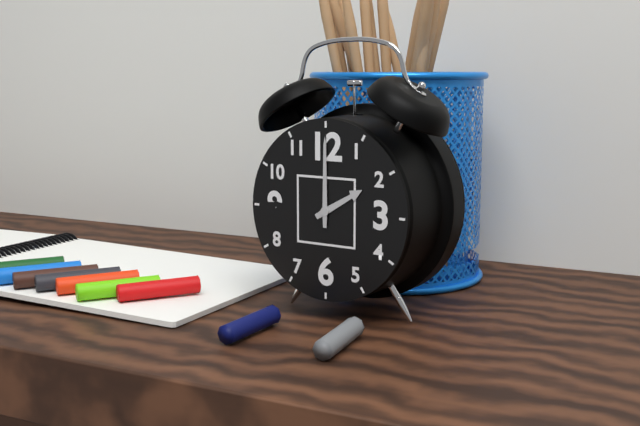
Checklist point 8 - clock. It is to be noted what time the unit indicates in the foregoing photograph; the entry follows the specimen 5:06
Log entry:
2:00
